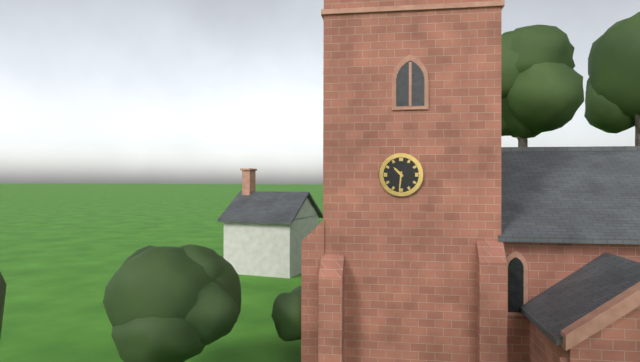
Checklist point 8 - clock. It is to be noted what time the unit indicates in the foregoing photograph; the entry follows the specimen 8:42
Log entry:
10:31
